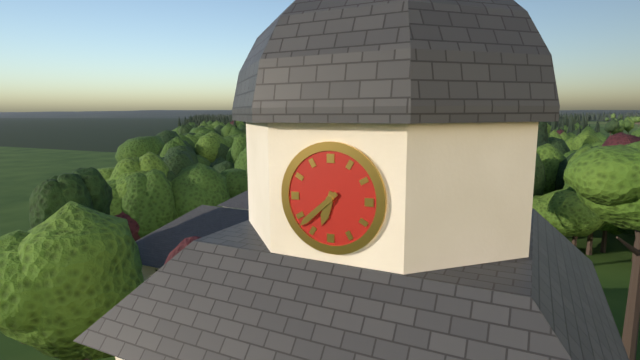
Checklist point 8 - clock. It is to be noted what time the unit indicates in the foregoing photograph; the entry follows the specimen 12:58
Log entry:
6:38
